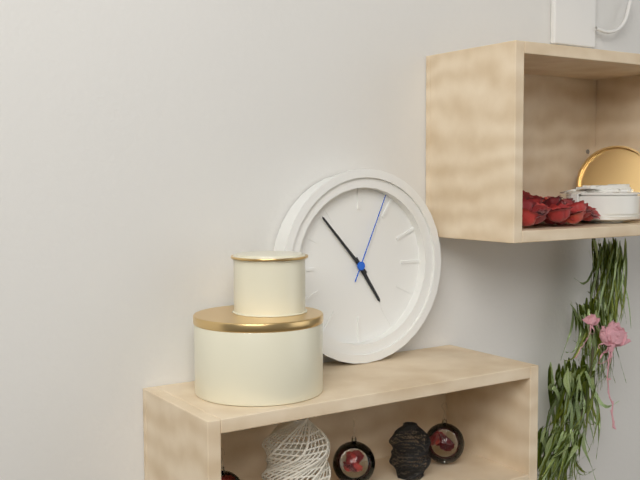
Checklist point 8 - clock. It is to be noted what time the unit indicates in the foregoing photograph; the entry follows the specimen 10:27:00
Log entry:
4:53:04
